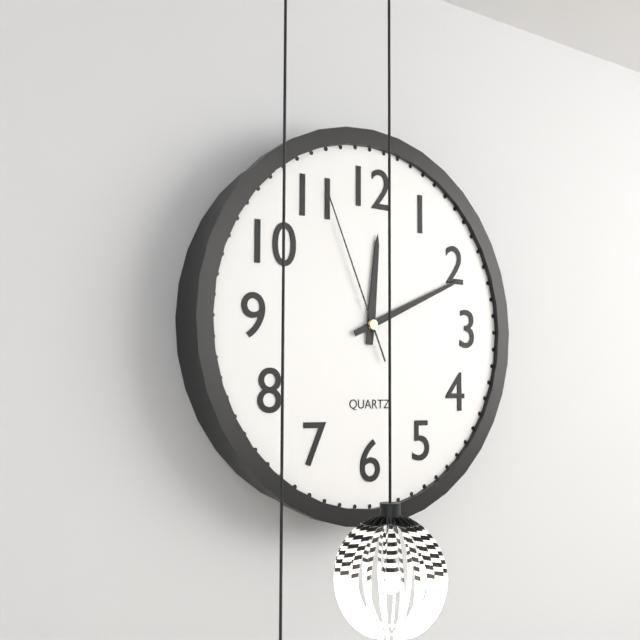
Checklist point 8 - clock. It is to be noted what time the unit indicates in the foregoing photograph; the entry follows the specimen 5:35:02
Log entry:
12:11:56
